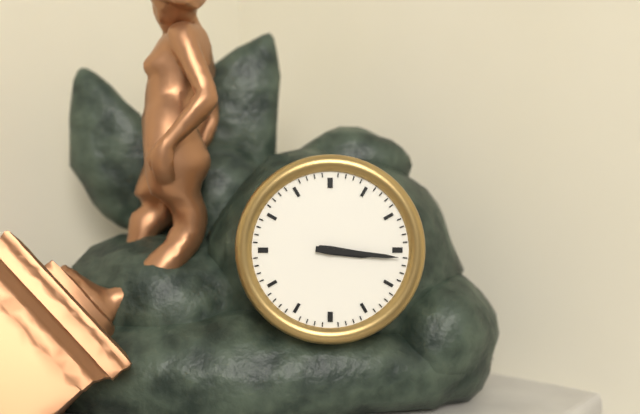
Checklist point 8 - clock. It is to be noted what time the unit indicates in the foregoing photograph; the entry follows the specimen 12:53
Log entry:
3:16
